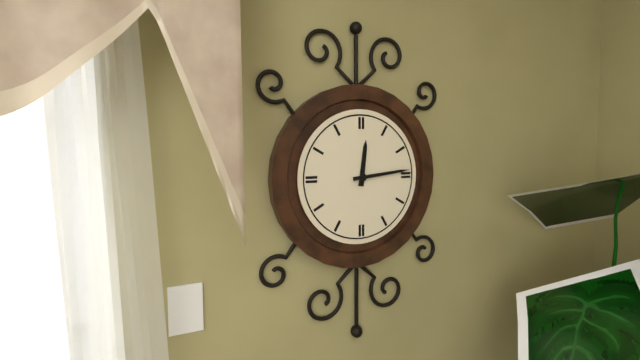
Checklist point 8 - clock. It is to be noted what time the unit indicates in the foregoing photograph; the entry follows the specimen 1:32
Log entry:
12:14
